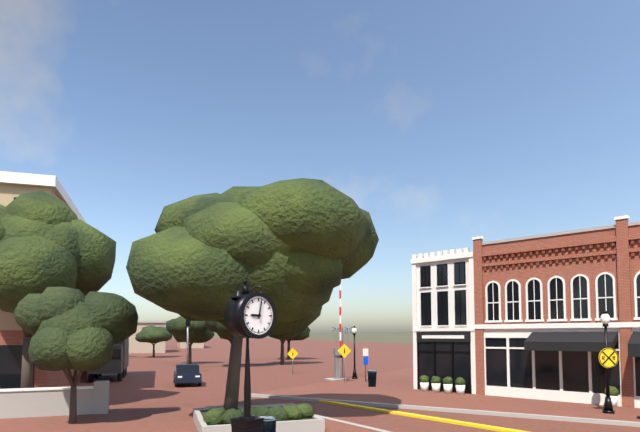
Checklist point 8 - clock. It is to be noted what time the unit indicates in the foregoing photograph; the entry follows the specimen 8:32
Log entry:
9:02
